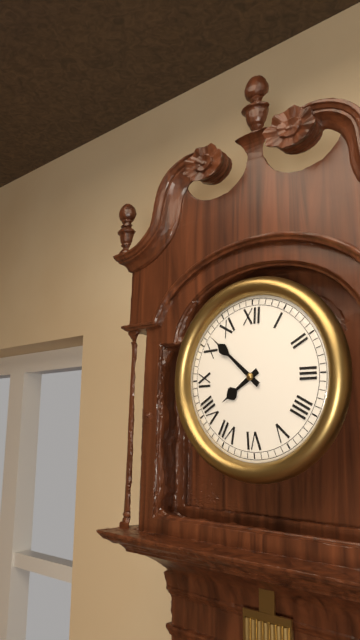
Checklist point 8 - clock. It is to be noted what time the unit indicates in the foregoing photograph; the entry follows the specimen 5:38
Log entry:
7:52
